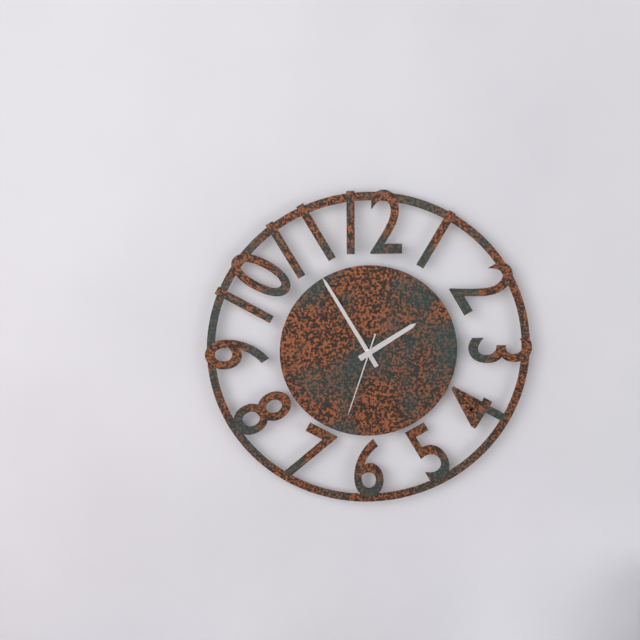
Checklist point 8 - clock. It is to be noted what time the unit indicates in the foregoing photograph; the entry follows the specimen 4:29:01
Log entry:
1:55:33
